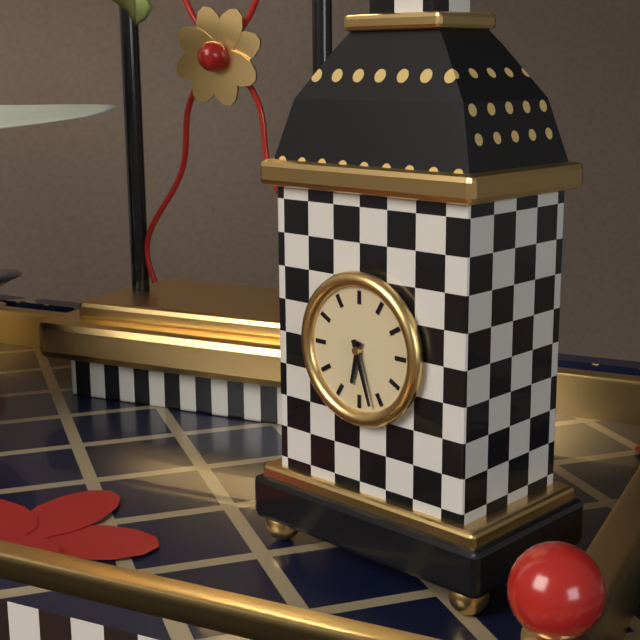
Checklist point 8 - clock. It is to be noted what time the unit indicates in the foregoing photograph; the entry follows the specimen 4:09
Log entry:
6:27
